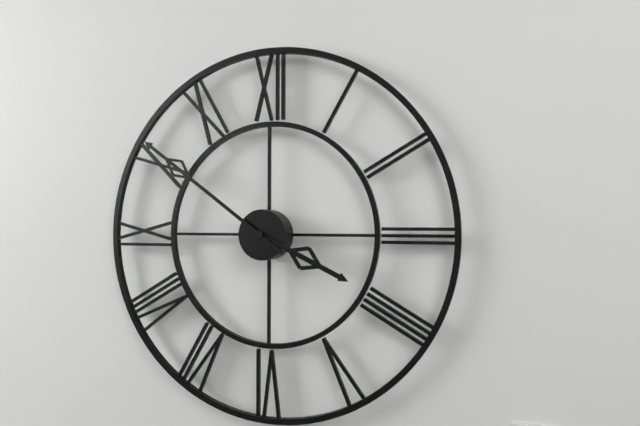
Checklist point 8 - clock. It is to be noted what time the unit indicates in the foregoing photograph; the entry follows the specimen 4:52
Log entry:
3:51
